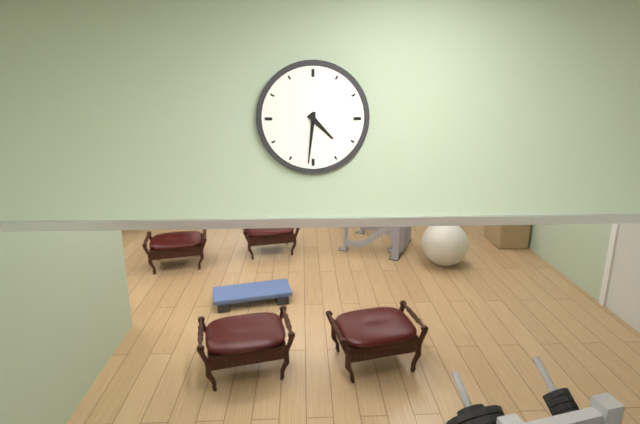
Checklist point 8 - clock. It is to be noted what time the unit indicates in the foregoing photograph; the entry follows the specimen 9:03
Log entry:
4:31
